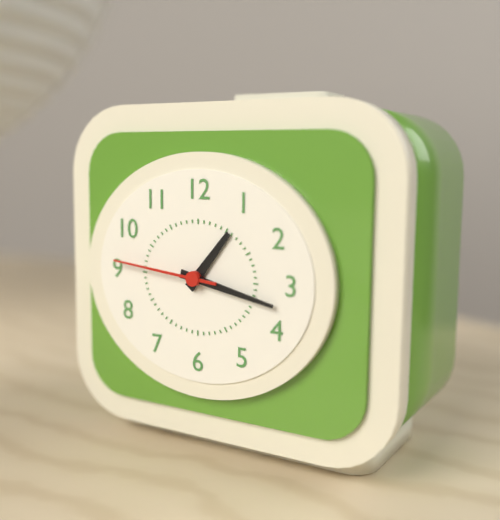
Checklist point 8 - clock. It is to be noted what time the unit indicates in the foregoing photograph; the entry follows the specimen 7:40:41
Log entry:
1:17:46
